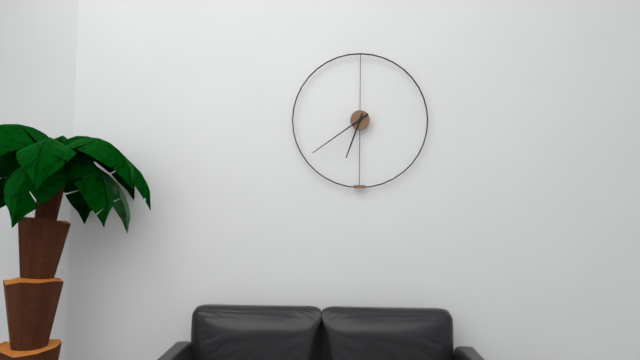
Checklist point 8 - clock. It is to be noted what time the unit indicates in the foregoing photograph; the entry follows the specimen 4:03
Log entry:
6:39
